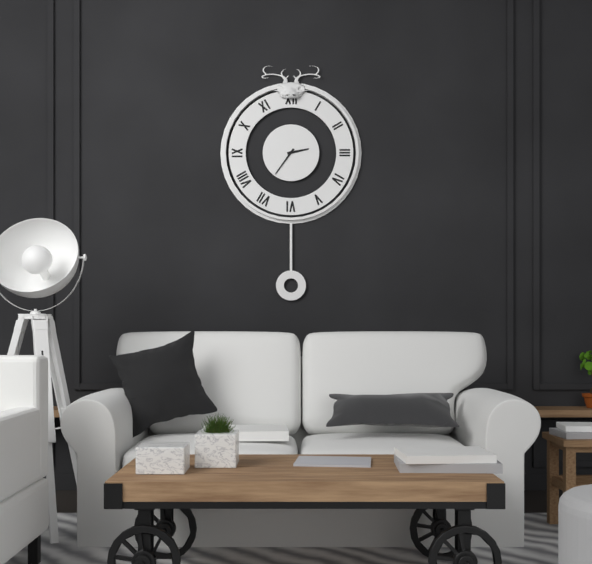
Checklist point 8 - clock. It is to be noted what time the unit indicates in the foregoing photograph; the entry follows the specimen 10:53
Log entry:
2:36
